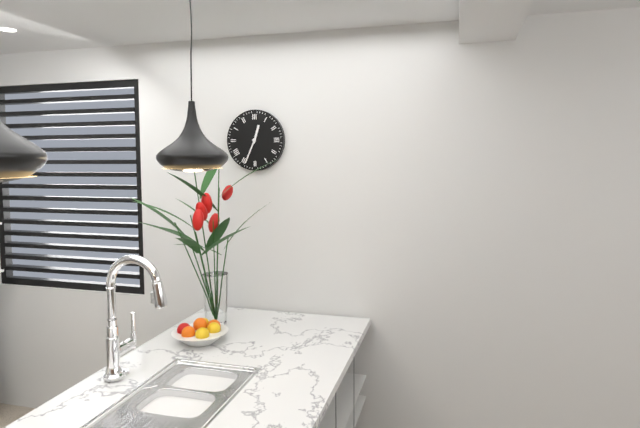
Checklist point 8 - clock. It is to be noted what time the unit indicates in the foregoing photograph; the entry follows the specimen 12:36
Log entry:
12:34
